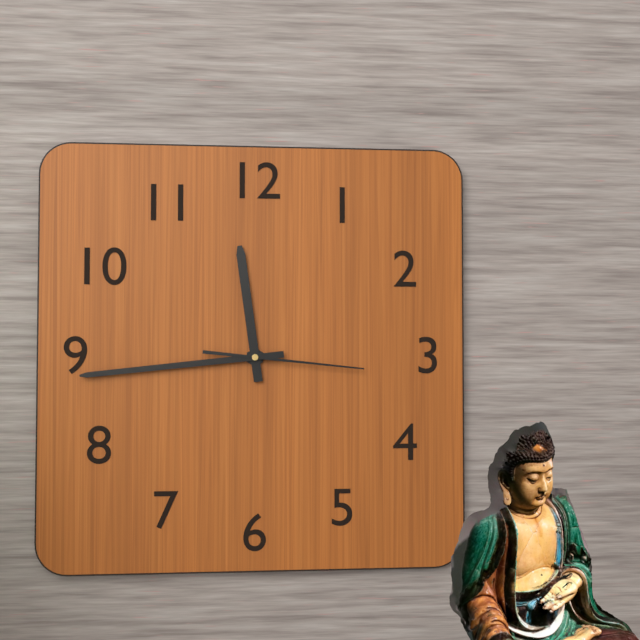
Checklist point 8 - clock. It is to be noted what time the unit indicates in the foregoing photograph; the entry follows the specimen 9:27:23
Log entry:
11:44:16
